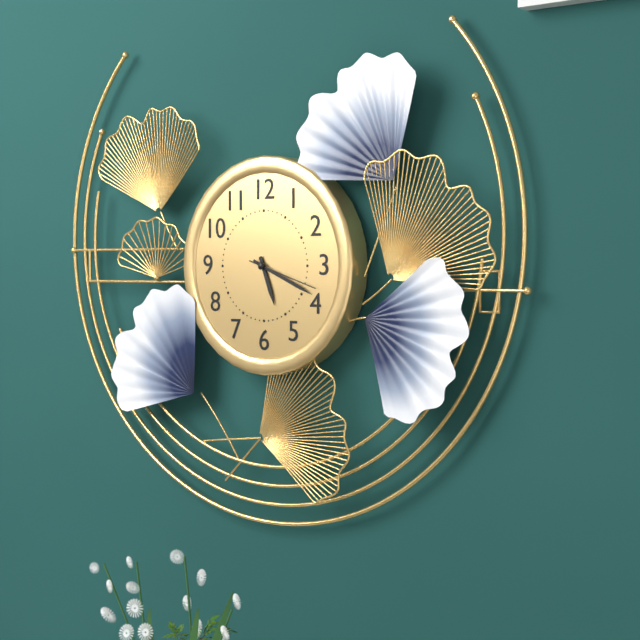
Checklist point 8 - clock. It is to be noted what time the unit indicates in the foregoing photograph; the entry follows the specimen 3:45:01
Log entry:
5:19:18
